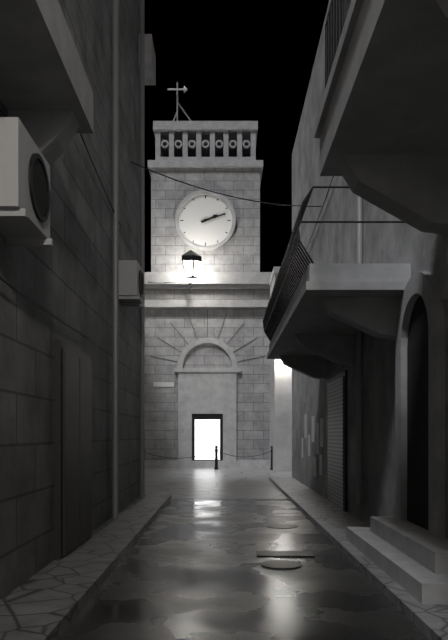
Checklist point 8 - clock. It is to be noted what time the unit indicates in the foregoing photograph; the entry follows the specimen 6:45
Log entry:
2:12
